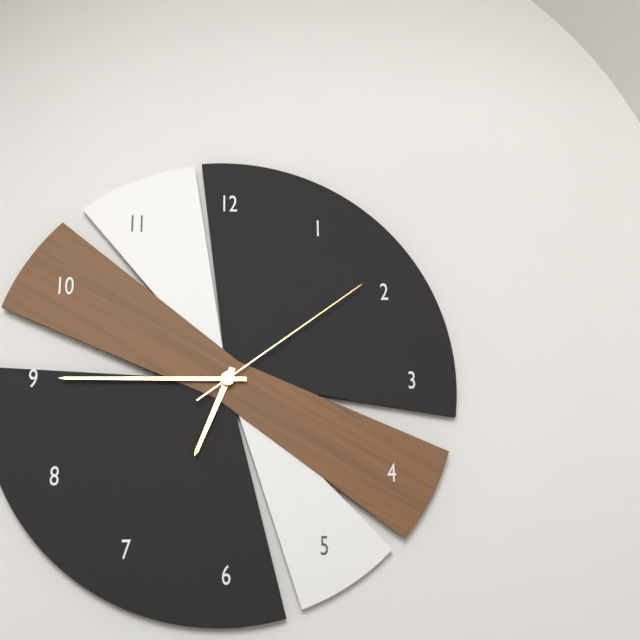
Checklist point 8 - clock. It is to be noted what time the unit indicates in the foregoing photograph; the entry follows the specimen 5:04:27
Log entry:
6:45:09
